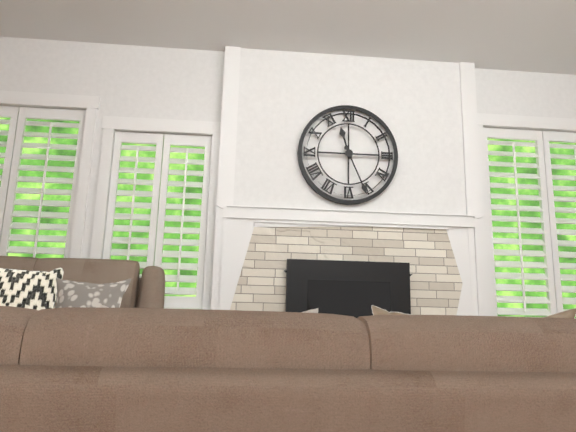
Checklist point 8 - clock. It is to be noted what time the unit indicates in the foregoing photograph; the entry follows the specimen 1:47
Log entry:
11:26
